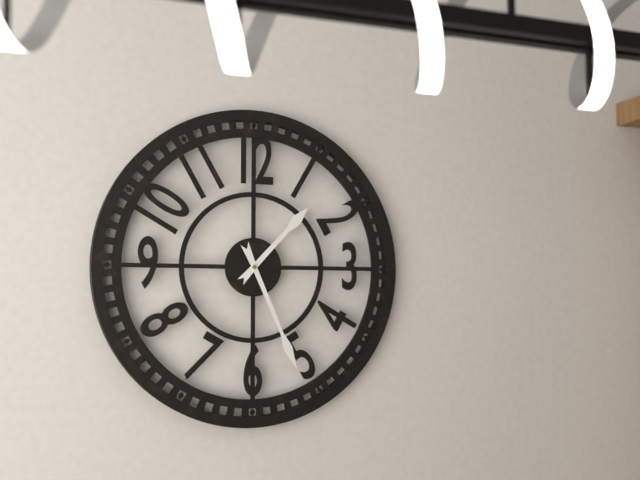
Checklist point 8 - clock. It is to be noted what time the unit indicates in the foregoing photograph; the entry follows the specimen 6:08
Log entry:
1:26
